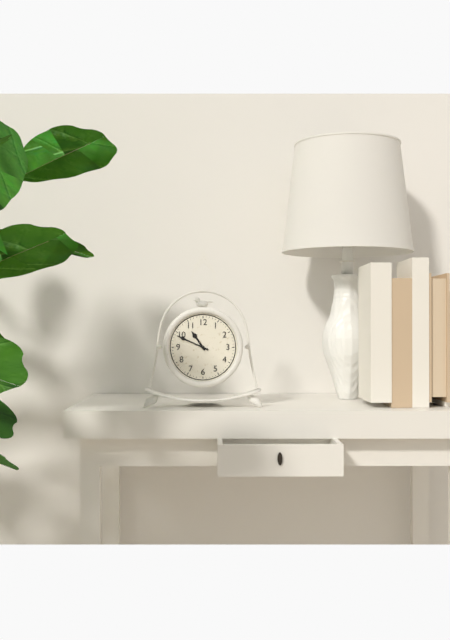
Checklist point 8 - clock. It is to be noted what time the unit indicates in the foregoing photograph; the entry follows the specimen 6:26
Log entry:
10:49
